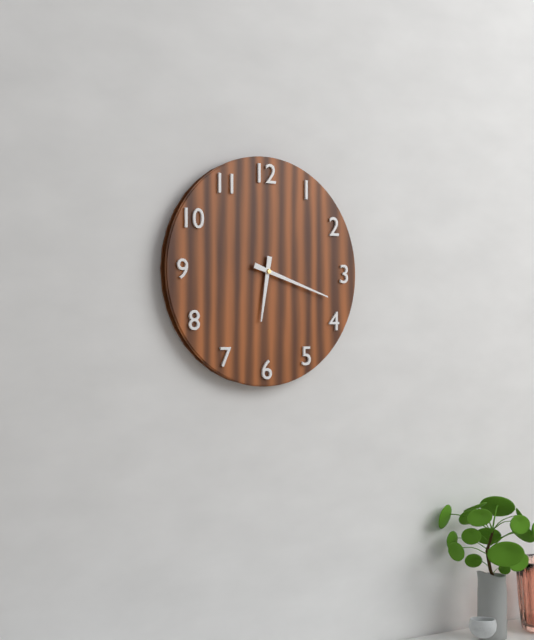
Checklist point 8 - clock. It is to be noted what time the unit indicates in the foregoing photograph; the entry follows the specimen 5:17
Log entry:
6:18
